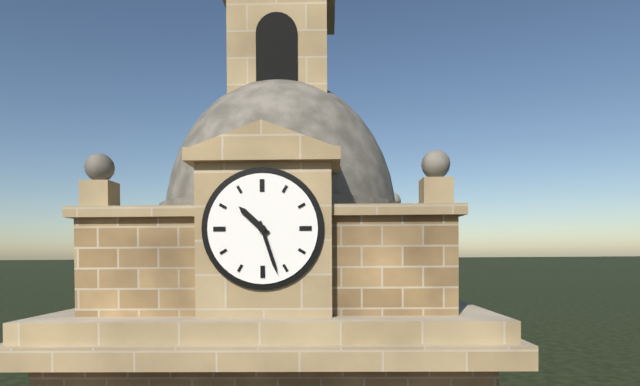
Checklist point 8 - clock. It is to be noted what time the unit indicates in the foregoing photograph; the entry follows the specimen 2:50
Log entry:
10:27
